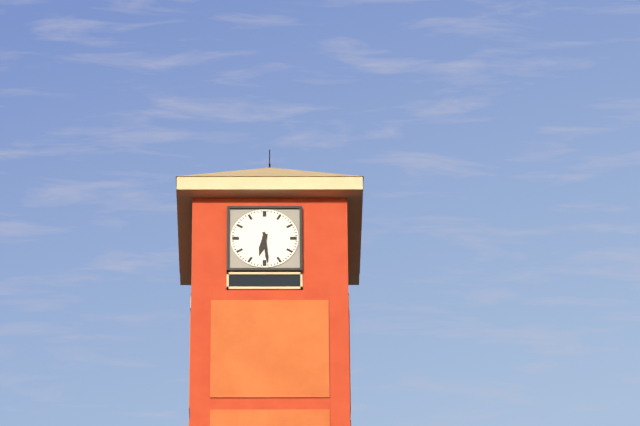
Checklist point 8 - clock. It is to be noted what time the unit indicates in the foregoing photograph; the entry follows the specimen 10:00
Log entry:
6:29
